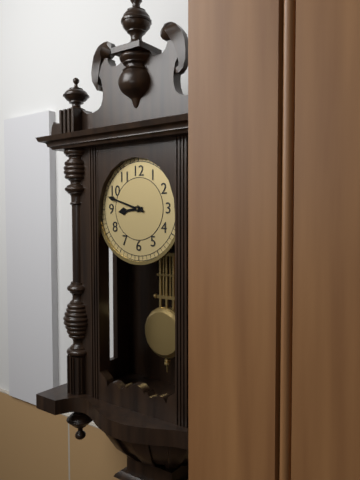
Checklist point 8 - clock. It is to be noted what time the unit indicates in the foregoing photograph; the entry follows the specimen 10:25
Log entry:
8:48
